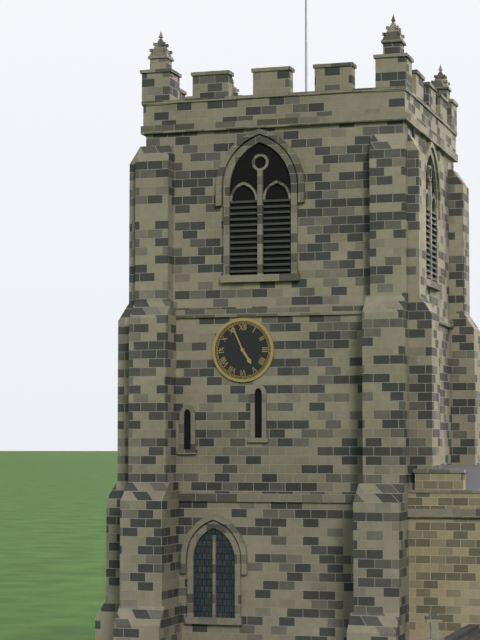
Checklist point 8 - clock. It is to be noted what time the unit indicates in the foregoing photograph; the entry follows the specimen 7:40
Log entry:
4:56
